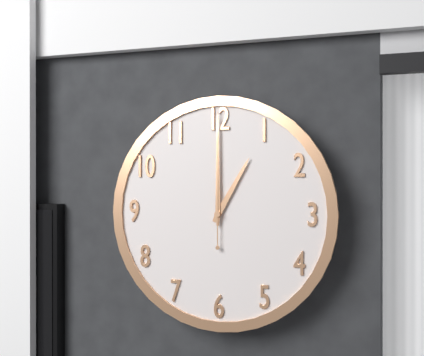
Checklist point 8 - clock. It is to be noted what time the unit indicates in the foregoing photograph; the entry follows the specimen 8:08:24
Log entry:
1:00:00
